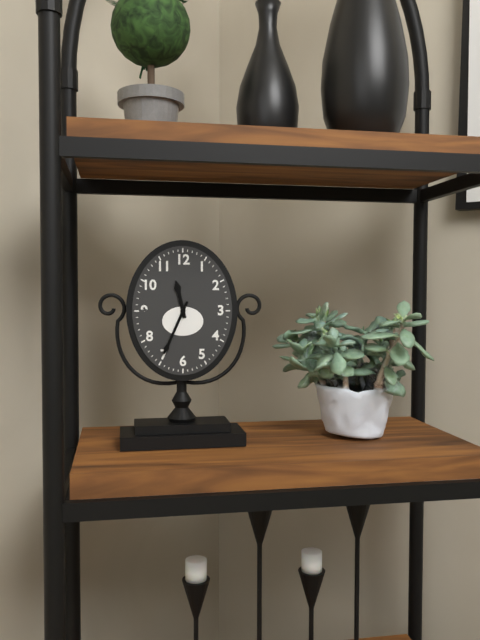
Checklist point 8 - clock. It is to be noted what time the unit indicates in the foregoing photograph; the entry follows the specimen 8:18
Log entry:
11:34
